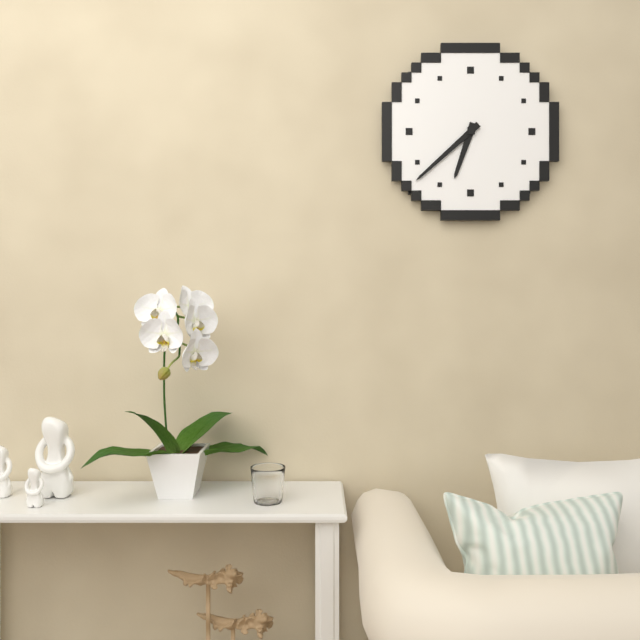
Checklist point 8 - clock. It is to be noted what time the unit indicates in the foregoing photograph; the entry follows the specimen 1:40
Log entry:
6:38
